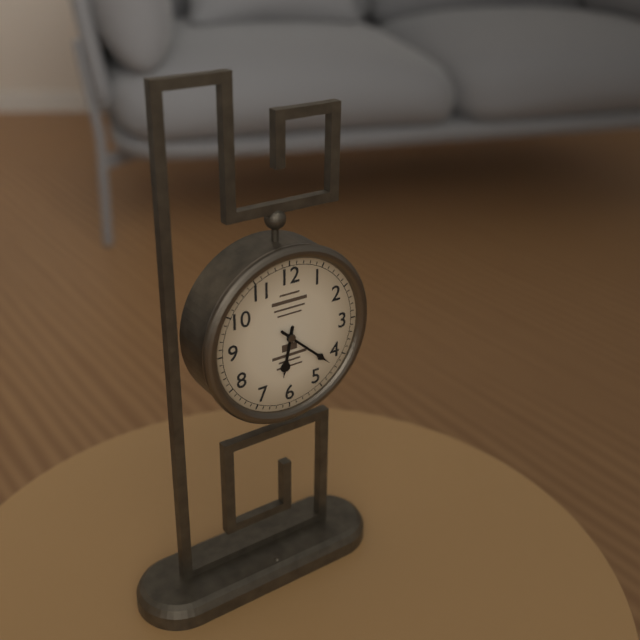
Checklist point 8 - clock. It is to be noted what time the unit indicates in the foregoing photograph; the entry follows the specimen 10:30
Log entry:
6:22
